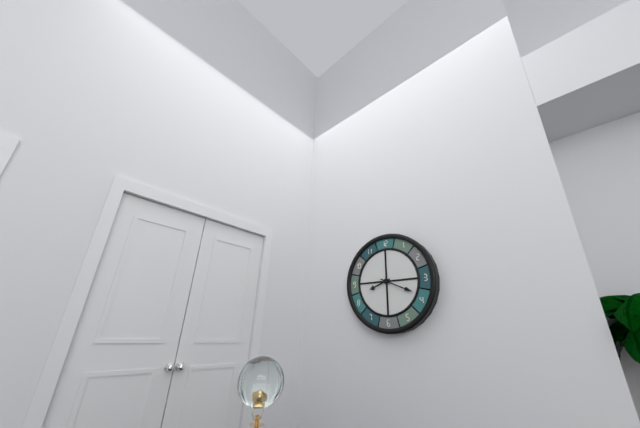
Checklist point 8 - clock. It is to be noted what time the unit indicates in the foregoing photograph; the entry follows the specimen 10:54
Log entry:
8:19
